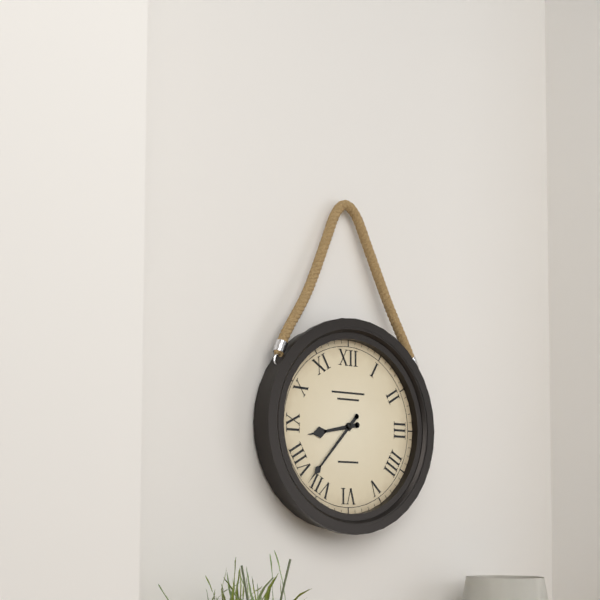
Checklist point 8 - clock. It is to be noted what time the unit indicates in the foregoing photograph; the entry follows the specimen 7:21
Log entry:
8:37
